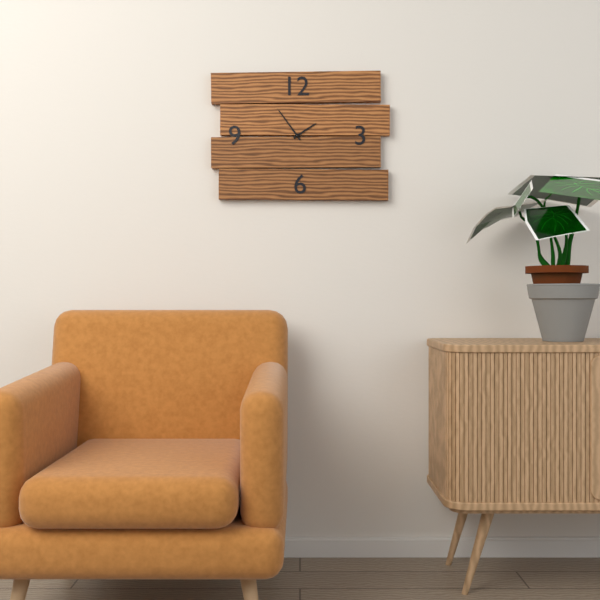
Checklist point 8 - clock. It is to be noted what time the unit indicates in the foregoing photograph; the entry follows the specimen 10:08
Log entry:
1:54
